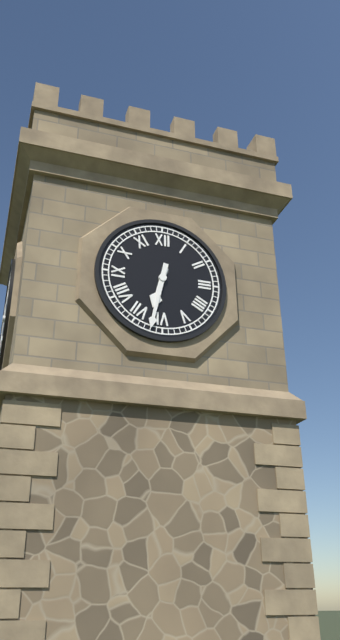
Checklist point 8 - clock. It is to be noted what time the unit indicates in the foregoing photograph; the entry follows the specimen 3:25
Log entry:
6:32
